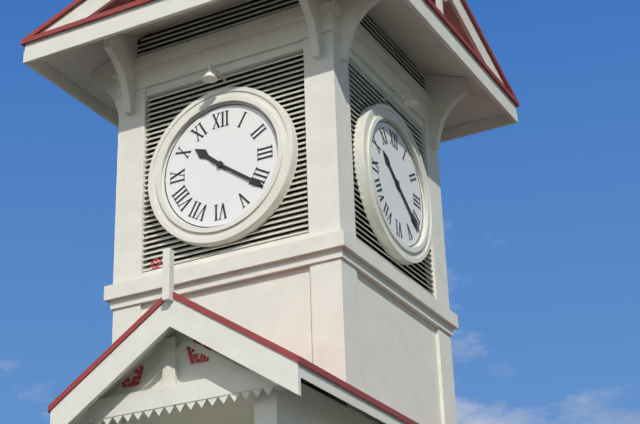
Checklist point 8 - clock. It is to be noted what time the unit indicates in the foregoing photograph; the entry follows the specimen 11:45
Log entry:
10:21
